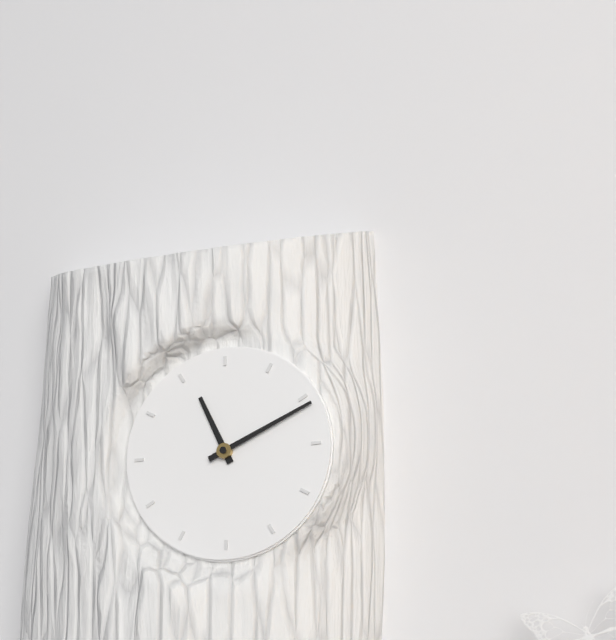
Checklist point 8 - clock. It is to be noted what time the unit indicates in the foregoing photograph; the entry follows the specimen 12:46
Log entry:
11:11
